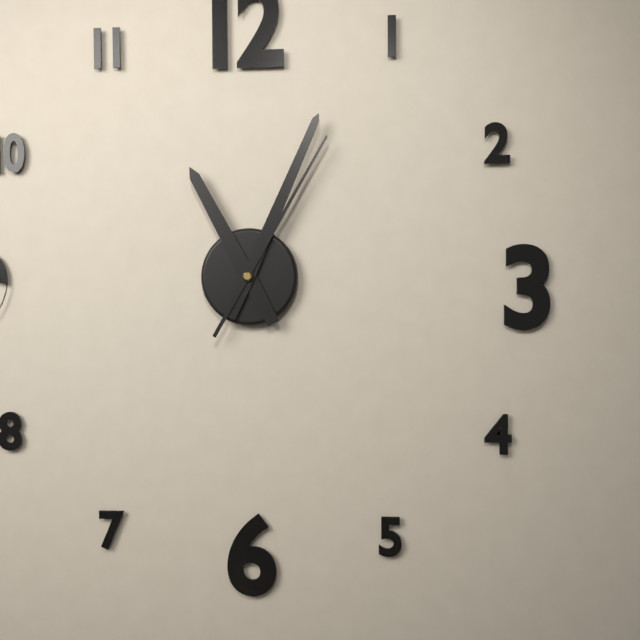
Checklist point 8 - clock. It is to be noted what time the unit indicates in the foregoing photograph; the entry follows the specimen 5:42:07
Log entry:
11:04:05
